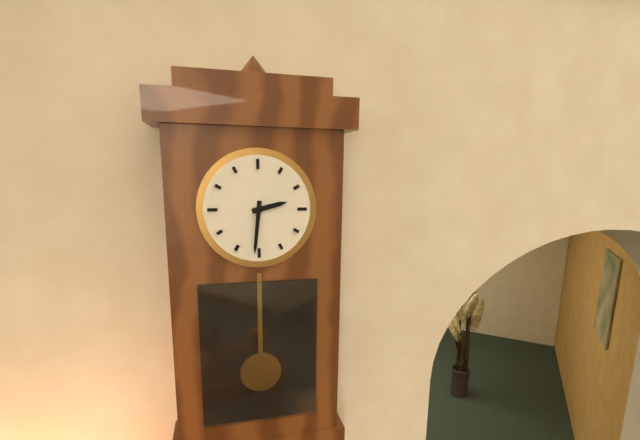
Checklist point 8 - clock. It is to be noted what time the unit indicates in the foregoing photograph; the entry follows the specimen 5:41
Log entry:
2:31
